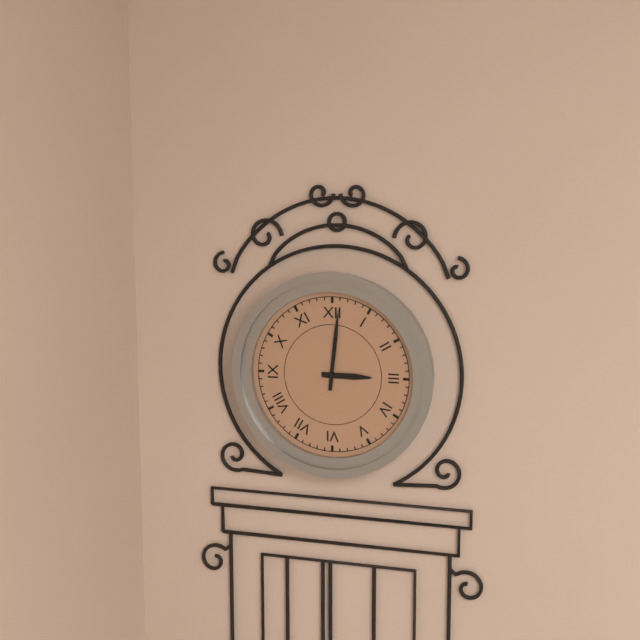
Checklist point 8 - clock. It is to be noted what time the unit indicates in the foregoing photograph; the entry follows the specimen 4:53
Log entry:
3:01
